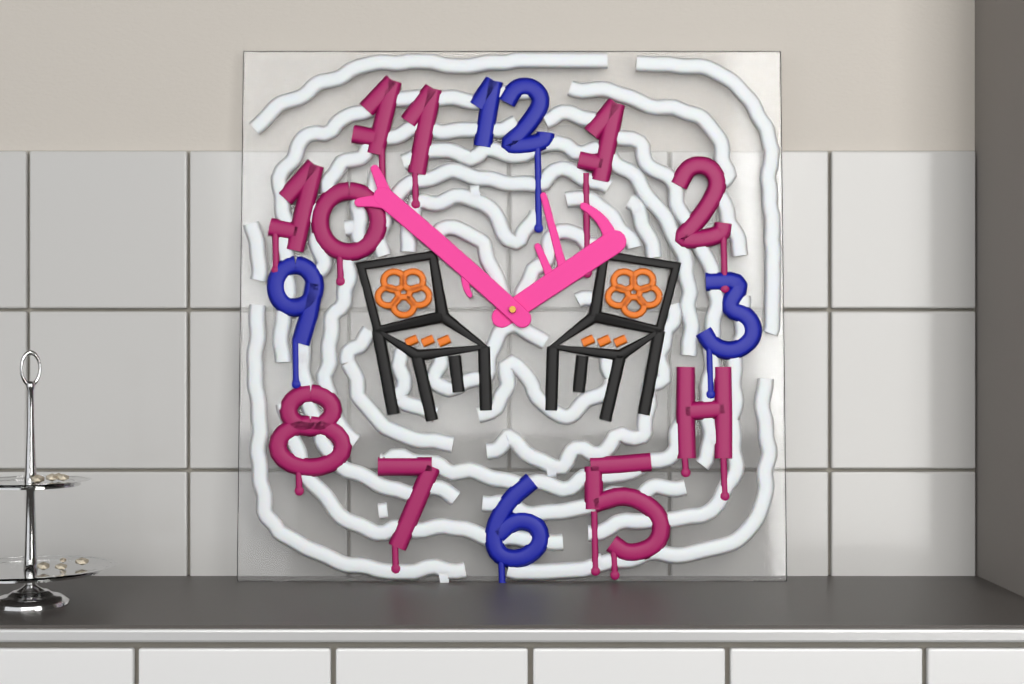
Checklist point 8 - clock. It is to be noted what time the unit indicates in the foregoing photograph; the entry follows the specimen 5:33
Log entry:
1:52
